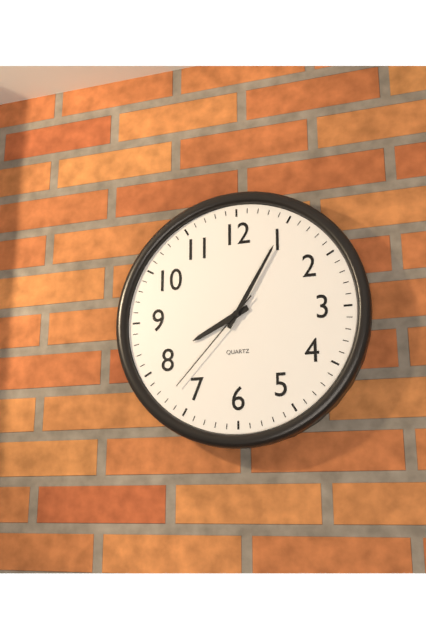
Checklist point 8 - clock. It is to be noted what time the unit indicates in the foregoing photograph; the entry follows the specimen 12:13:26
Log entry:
8:05:37
